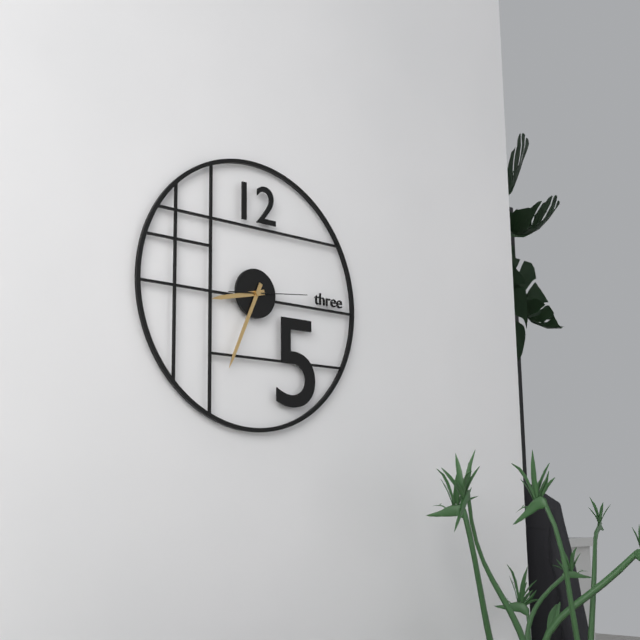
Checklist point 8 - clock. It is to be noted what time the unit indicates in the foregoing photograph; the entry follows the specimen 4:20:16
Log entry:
8:34:14
